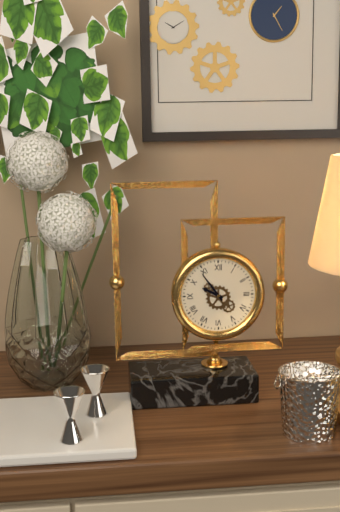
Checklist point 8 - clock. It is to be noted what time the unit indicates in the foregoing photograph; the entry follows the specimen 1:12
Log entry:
9:54
